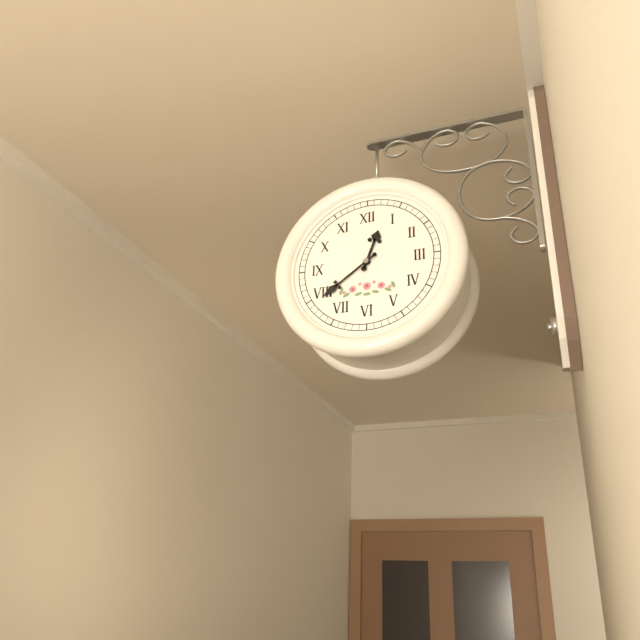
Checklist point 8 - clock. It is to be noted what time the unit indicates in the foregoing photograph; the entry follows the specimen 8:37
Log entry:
12:39
